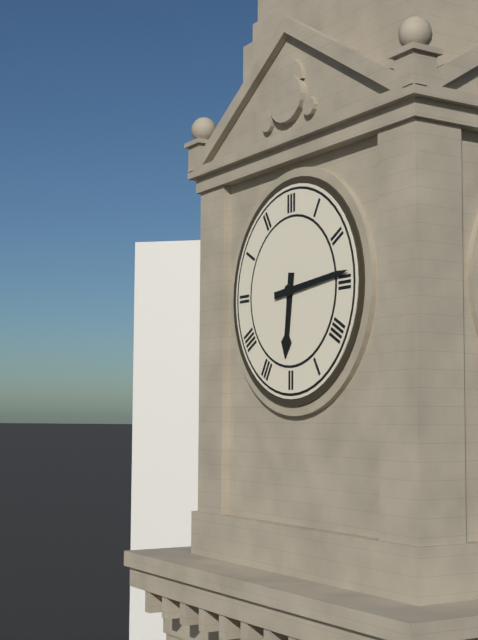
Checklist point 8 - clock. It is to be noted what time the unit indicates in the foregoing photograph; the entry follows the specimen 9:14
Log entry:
6:14
